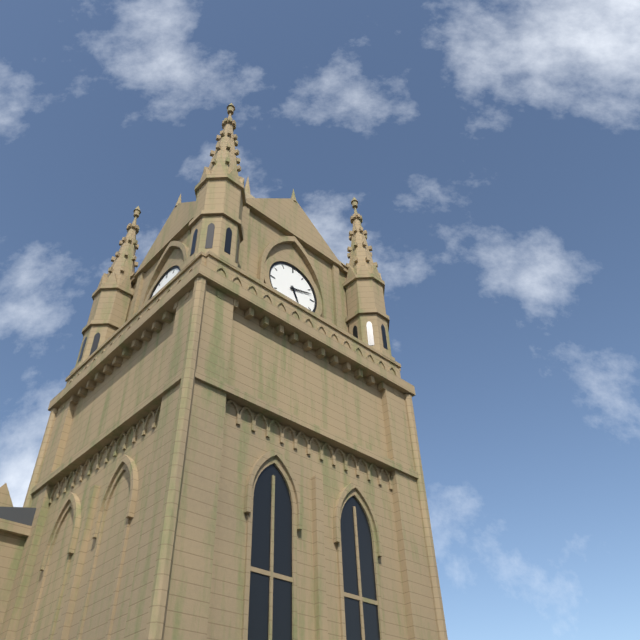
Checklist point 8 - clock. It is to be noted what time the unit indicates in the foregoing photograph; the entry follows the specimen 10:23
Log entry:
5:12
